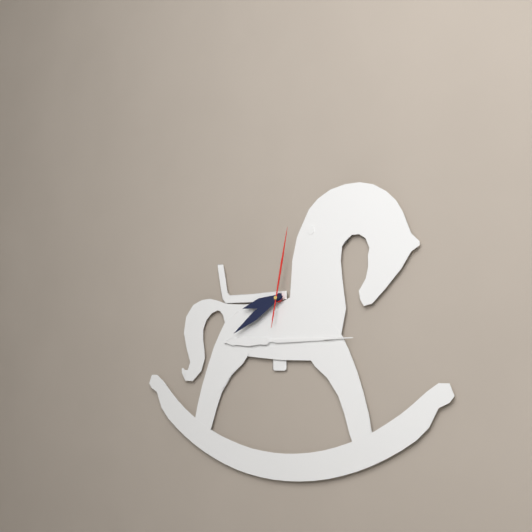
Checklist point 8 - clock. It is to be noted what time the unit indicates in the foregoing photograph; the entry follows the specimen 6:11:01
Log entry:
8:40:02
